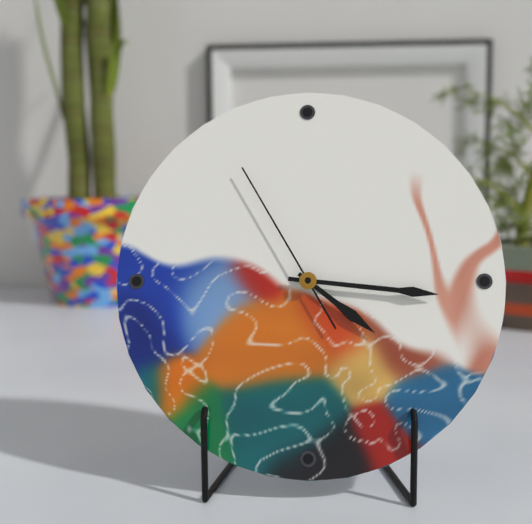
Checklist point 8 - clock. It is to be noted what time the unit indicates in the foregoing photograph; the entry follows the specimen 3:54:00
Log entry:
4:16:55
